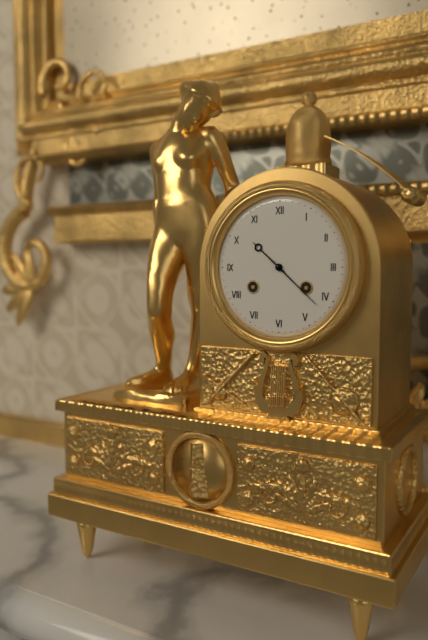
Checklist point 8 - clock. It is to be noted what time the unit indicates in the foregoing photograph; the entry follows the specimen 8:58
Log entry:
10:22
